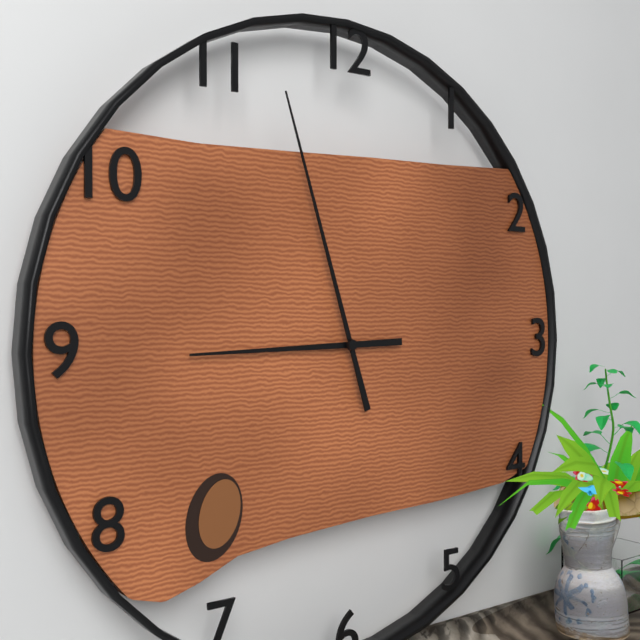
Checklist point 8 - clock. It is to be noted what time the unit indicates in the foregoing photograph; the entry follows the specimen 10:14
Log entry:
8:57
